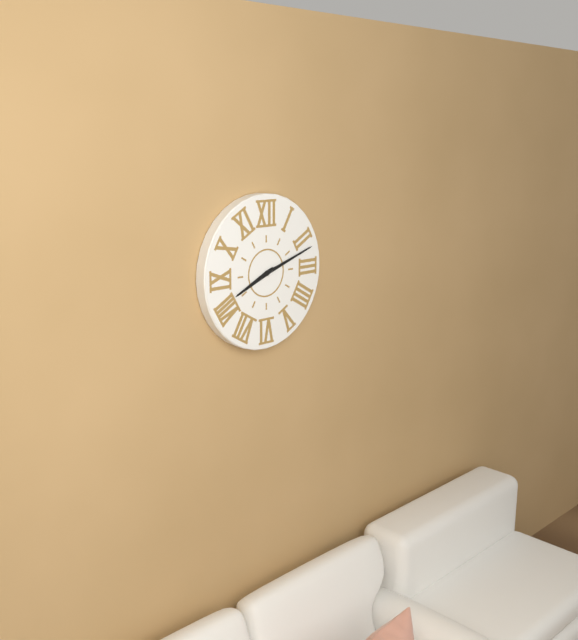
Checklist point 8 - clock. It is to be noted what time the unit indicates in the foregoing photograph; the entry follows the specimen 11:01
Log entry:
8:12
